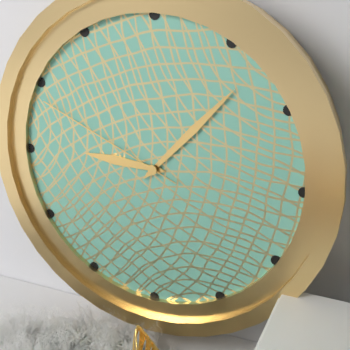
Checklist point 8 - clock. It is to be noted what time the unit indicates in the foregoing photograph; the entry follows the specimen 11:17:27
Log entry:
9:07:49
